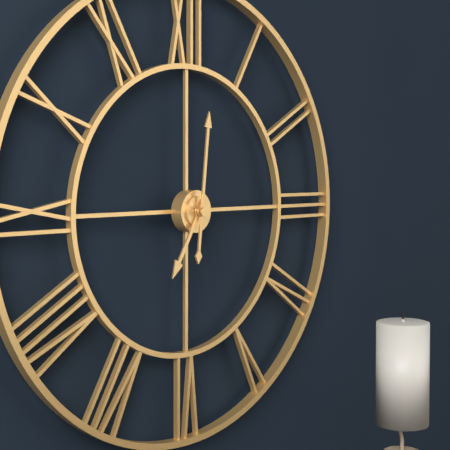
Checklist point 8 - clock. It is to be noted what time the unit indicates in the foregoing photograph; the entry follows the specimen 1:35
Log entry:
7:01
